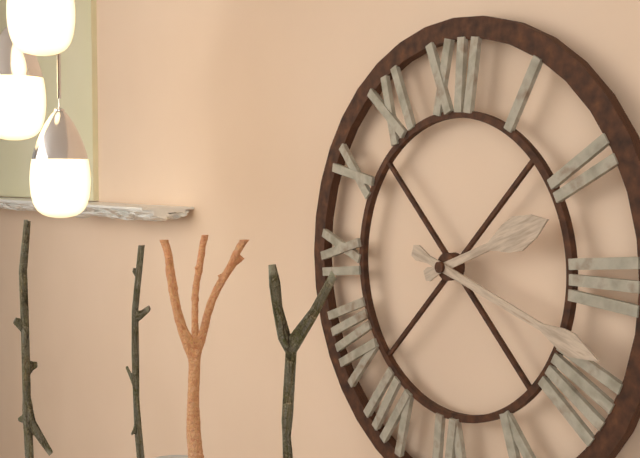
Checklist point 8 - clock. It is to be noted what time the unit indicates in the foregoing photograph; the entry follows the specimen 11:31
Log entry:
2:18
